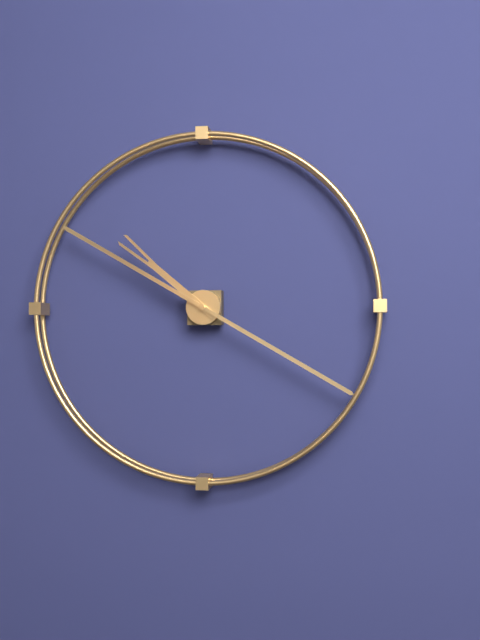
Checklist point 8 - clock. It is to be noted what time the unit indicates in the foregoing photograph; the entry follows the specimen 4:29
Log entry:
10:20
